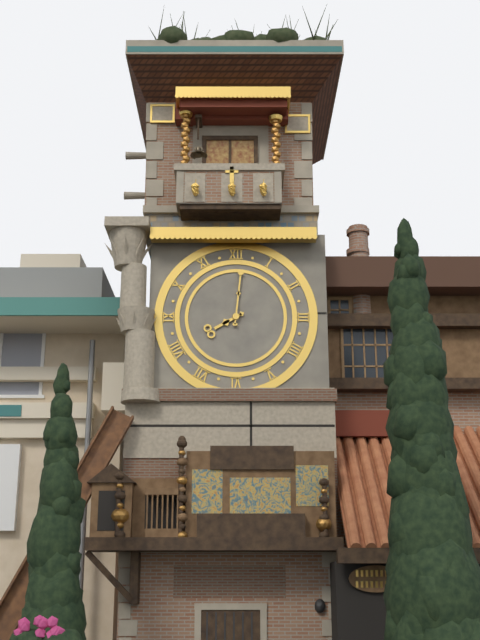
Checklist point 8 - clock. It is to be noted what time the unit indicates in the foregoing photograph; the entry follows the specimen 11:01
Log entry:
8:01
